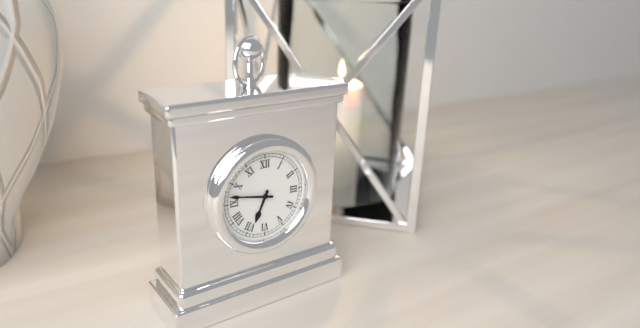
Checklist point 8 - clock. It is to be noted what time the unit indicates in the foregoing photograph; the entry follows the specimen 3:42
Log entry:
6:47
